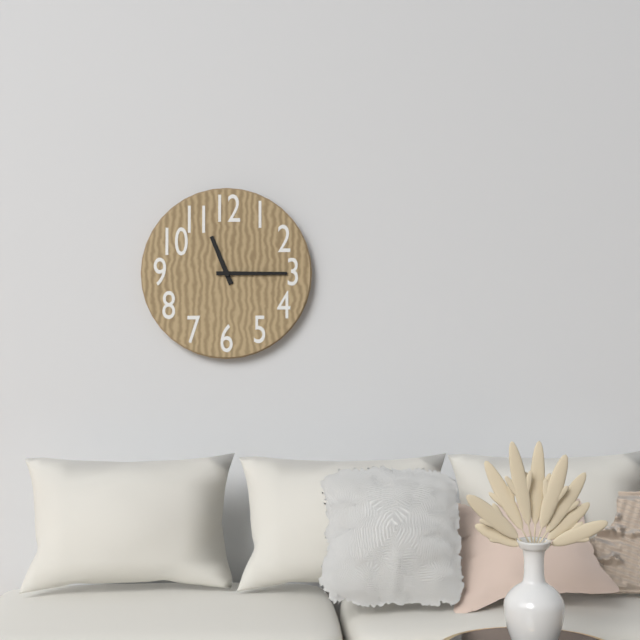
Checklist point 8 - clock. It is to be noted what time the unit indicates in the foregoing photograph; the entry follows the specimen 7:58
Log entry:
11:15
